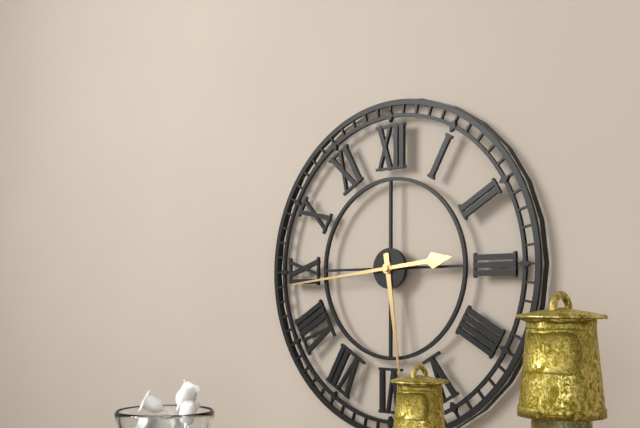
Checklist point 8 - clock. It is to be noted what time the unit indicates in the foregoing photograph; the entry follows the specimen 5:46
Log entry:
5:44
